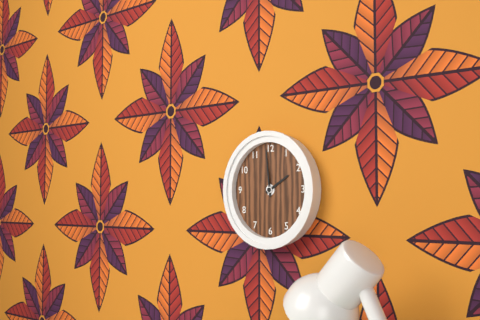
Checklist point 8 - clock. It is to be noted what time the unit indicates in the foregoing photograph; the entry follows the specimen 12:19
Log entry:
1:59
